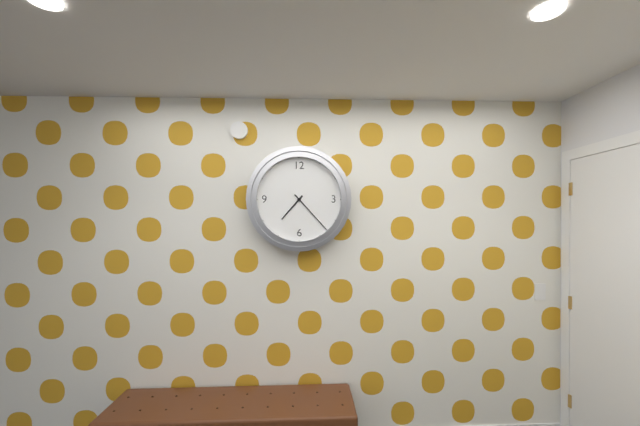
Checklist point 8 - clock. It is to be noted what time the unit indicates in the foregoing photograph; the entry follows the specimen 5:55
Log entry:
7:23
